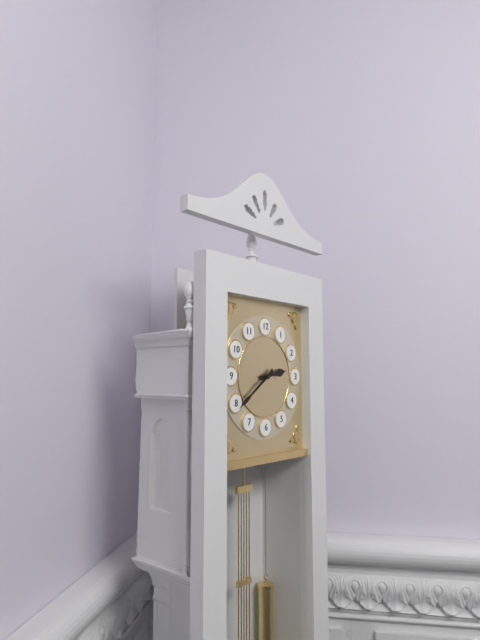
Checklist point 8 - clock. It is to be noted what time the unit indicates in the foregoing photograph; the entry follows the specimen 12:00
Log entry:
2:39
